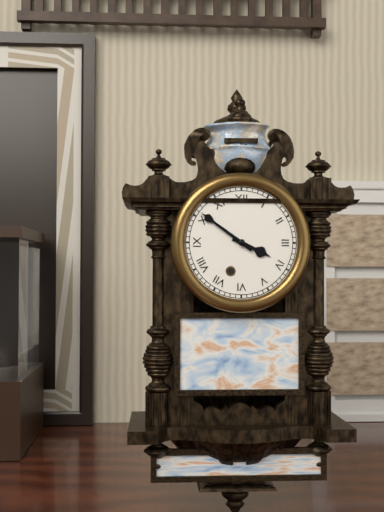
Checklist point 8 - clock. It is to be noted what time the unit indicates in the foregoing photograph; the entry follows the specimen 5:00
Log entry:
3:51
